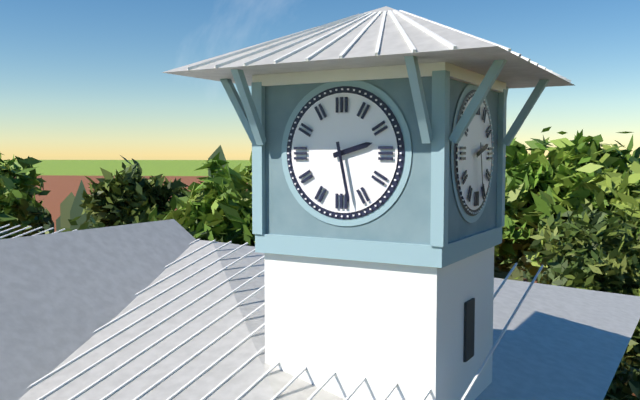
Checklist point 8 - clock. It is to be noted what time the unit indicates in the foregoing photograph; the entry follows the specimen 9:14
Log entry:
2:28
